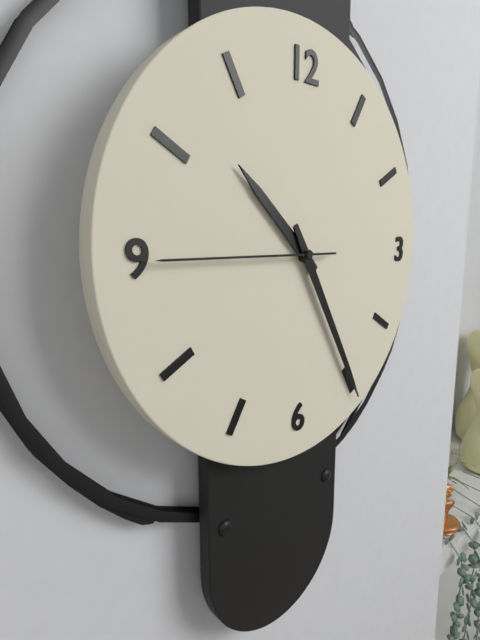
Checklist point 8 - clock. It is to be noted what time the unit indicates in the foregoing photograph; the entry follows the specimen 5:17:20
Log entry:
10:25:45
